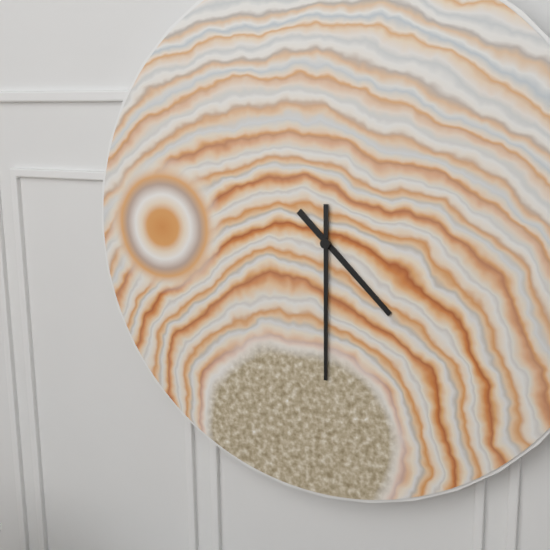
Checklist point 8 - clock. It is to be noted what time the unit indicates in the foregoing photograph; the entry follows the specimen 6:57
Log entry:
4:30
